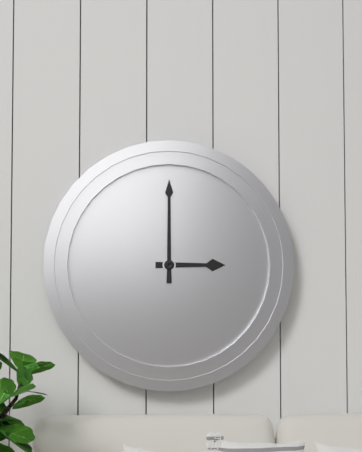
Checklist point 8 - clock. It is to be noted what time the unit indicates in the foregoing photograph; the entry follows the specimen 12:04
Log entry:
3:00
